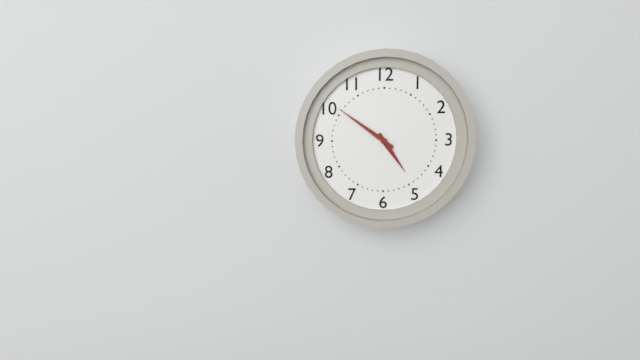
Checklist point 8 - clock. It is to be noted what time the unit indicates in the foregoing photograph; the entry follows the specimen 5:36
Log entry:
4:51
